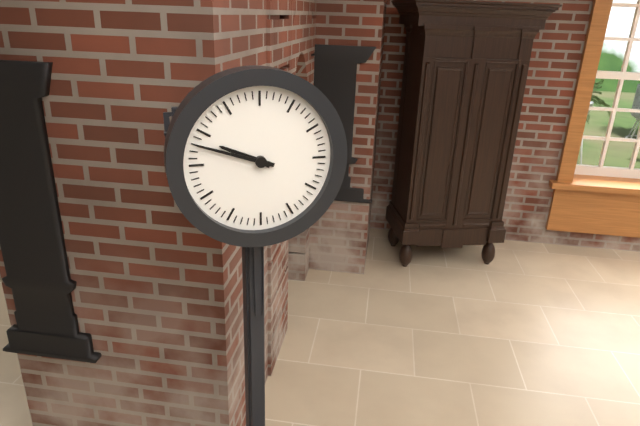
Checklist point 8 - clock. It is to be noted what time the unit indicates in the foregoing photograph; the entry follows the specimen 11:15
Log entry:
9:48
